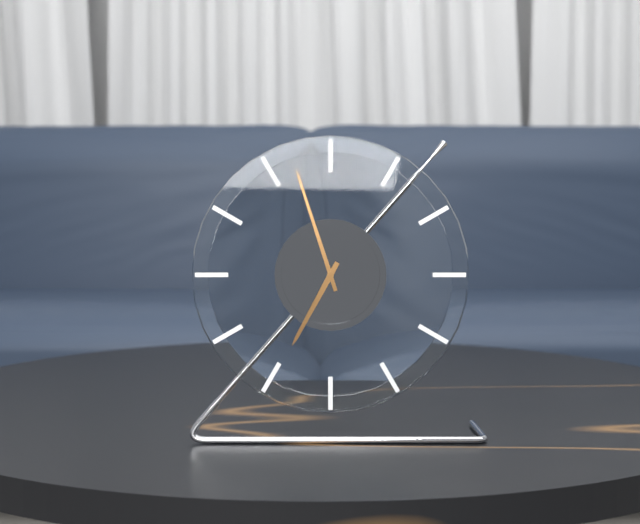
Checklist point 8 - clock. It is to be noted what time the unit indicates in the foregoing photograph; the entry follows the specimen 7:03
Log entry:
6:57
